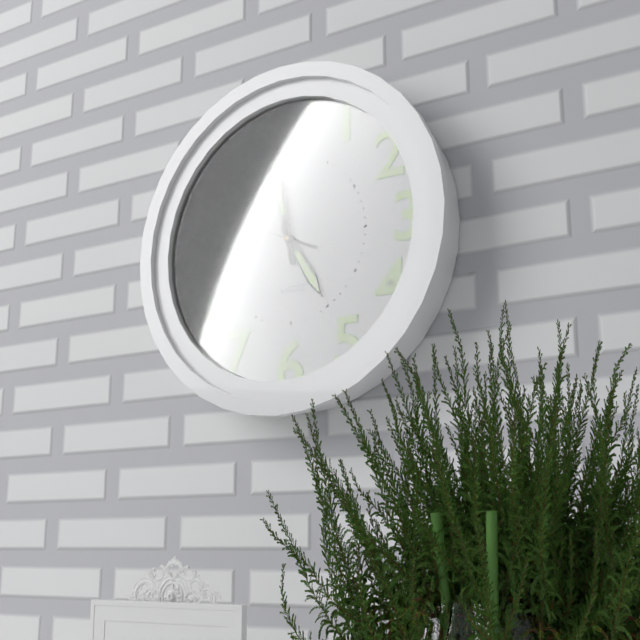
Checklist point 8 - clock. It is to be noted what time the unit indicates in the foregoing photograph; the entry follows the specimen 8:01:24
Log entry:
4:58:49
